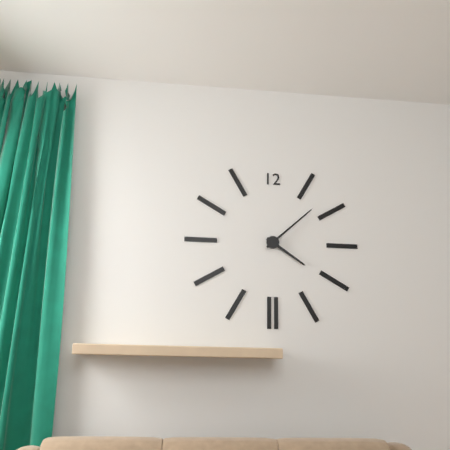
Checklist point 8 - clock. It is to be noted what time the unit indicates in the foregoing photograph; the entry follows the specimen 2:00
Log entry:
4:08
